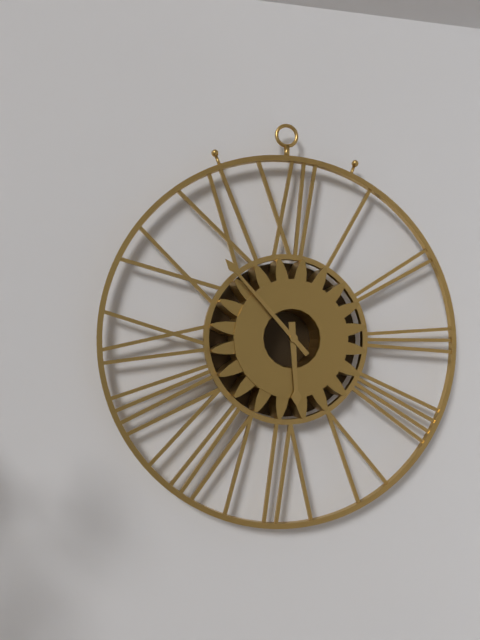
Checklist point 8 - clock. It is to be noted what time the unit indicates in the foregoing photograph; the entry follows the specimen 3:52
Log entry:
5:53
